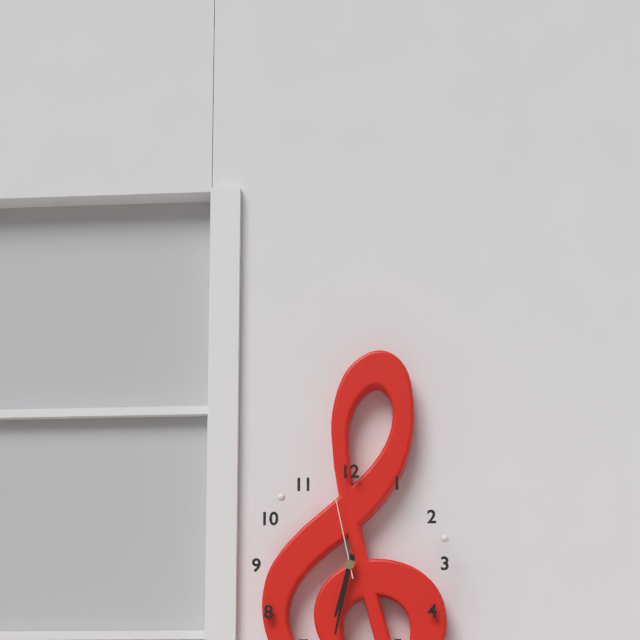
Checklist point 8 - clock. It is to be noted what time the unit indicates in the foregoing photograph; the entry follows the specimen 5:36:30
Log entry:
6:32:58
